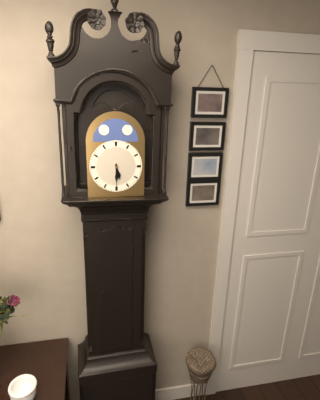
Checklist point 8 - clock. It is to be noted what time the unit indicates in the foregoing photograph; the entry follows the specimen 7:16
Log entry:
5:30
